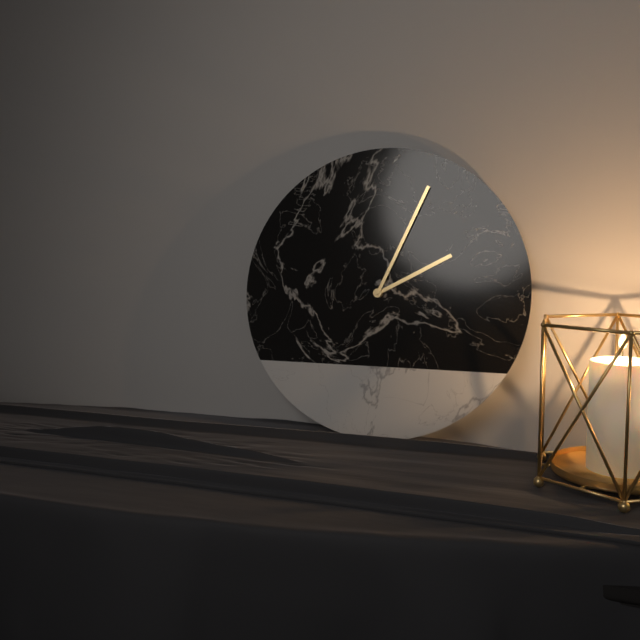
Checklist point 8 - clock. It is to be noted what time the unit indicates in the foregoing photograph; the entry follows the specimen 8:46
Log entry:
2:04
